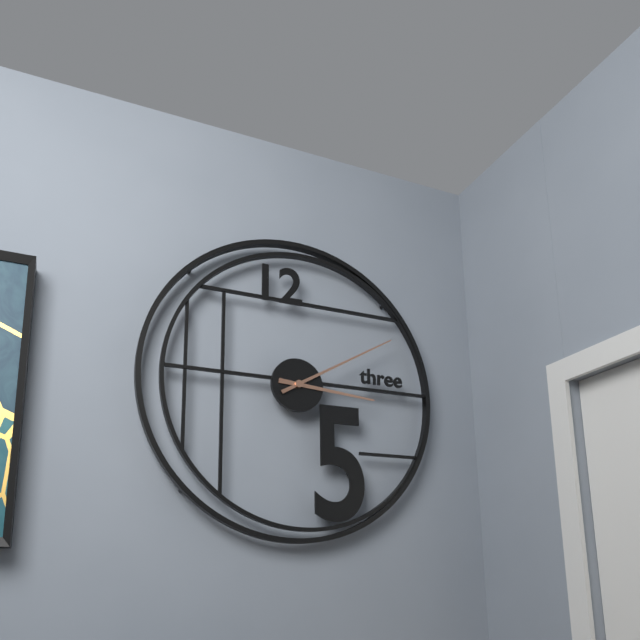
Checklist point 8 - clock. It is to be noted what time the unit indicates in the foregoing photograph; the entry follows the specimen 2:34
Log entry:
3:10
